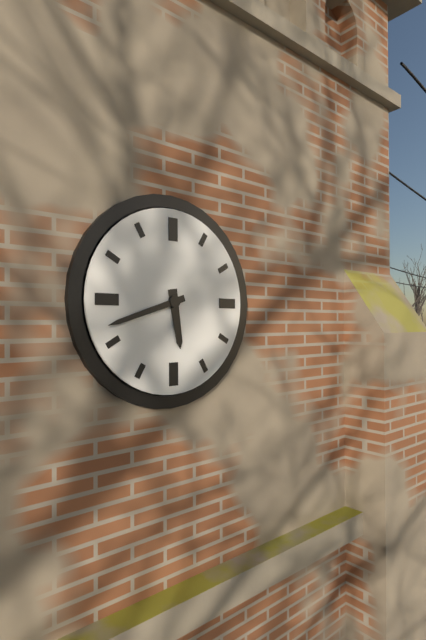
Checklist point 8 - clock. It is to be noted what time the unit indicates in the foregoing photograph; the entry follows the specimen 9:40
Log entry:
5:42
